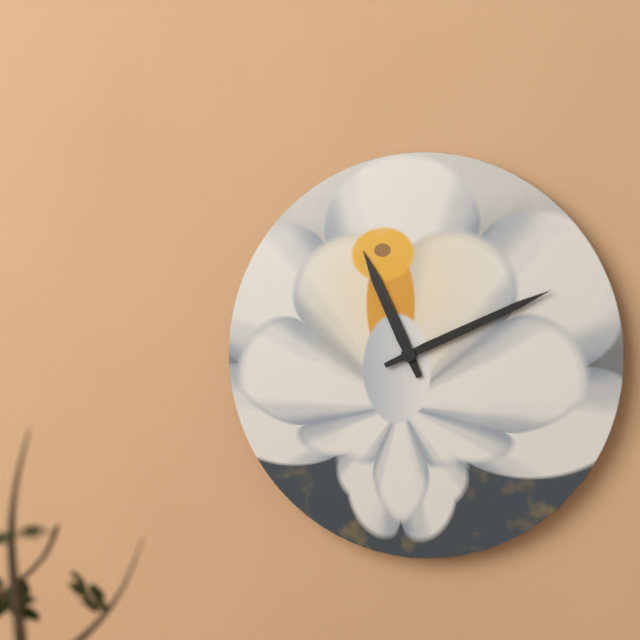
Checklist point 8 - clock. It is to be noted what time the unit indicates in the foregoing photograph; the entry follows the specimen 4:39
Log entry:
11:11
